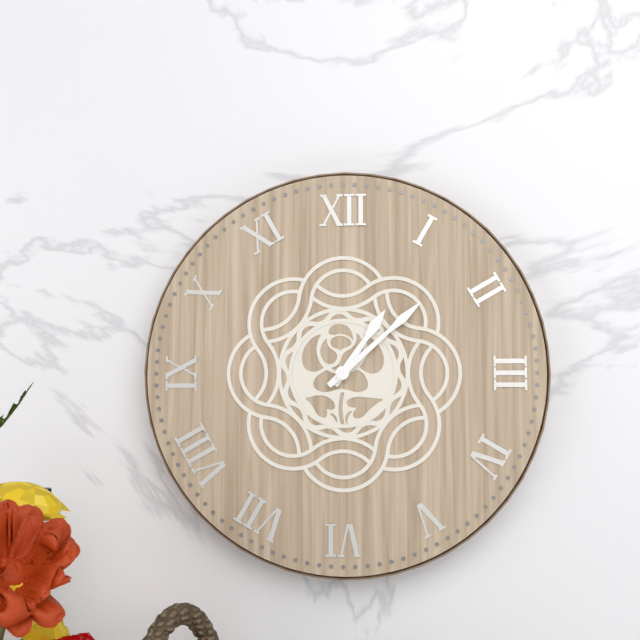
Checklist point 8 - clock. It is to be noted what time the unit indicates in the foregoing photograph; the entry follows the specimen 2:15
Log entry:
1:08
